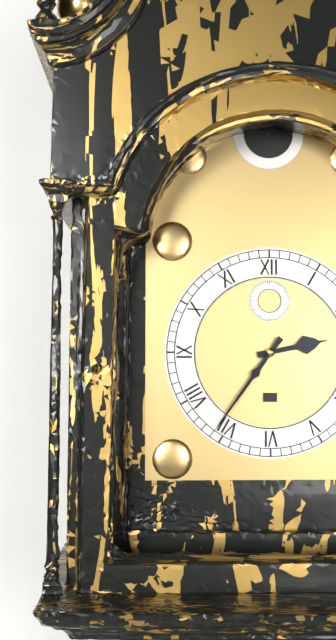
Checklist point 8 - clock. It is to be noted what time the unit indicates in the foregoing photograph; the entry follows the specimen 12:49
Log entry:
2:36
